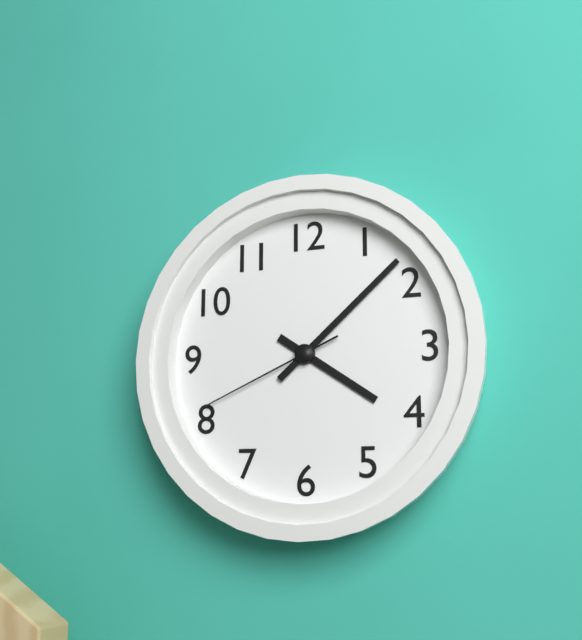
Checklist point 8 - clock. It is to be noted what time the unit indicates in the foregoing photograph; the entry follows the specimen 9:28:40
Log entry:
4:08:41
